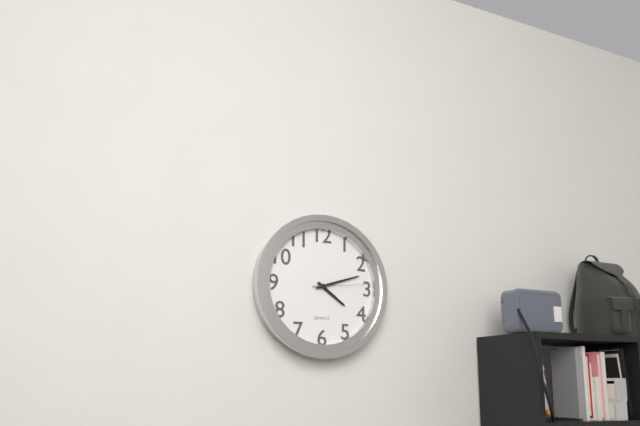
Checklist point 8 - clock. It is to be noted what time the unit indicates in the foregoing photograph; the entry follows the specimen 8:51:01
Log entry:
4:12:14
